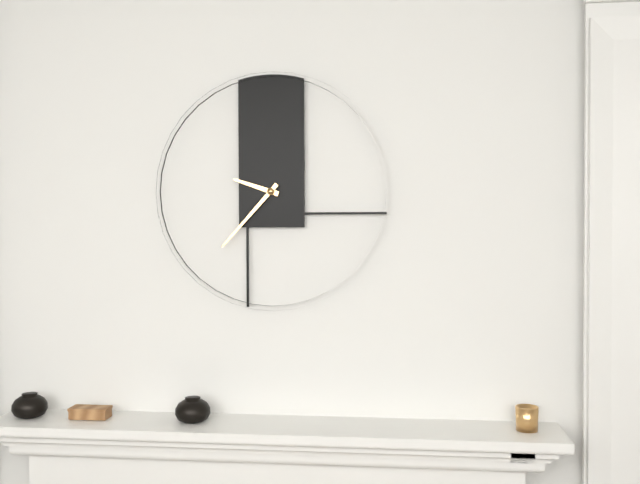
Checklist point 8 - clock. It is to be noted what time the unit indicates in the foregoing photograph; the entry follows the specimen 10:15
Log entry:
9:37
